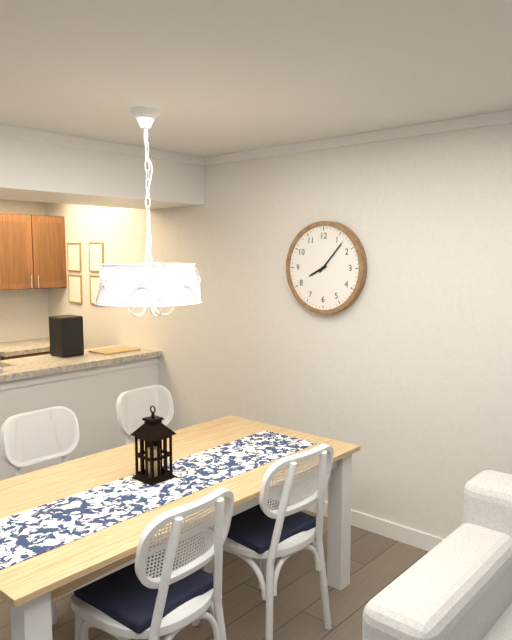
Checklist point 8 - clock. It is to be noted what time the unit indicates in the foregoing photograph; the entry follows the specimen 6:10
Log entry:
8:07
